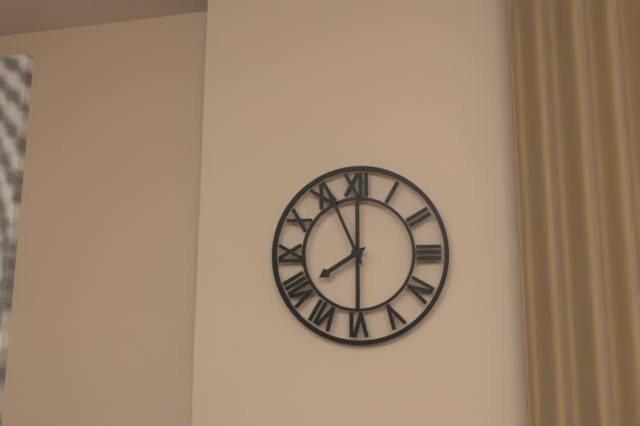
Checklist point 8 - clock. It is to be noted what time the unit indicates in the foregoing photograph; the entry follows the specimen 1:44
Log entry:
7:56
